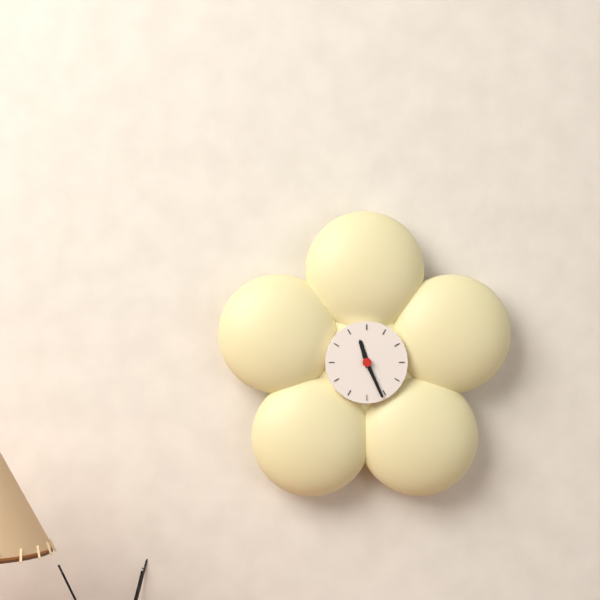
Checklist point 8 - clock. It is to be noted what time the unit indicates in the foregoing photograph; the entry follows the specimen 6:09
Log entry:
11:26
